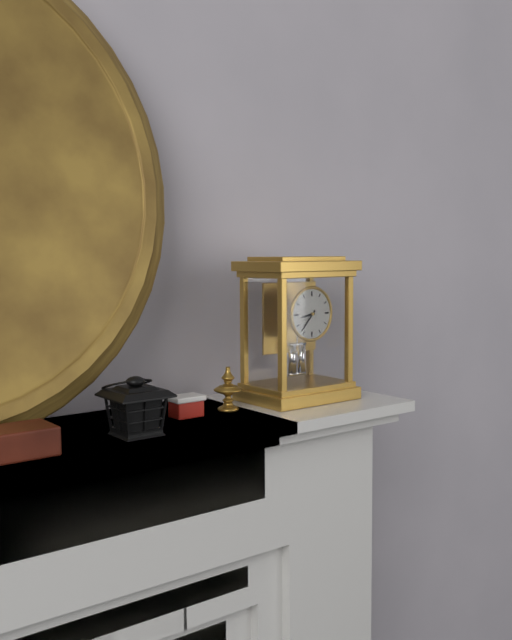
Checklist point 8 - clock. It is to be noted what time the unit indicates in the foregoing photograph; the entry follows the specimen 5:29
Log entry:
8:37
